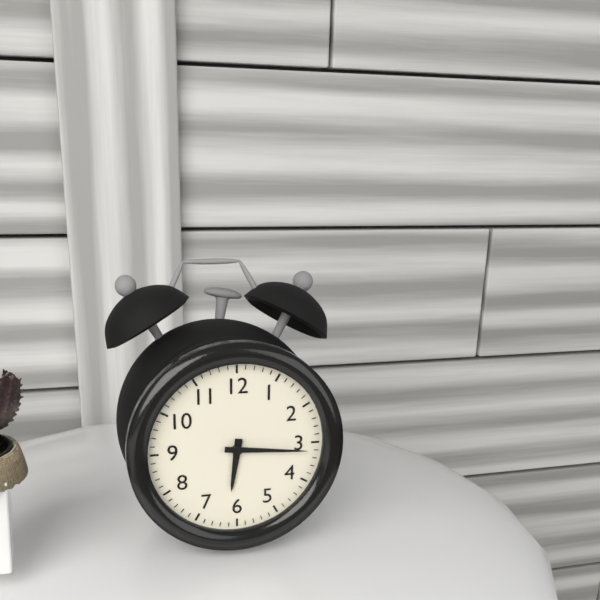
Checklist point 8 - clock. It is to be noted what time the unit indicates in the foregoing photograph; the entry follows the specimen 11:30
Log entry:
6:16
